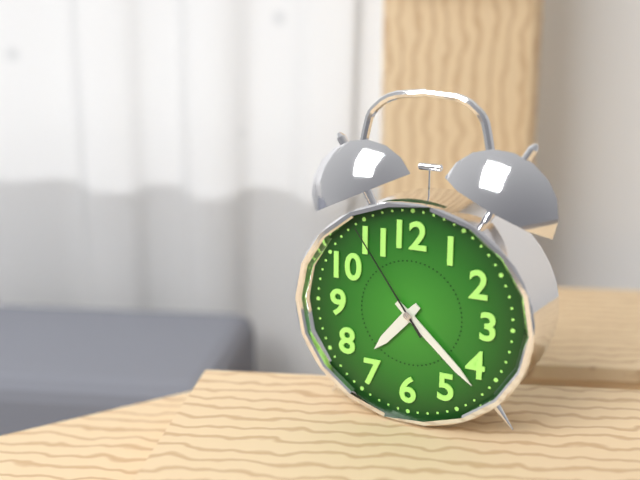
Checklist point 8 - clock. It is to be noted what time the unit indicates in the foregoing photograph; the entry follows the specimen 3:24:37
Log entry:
7:22:54
